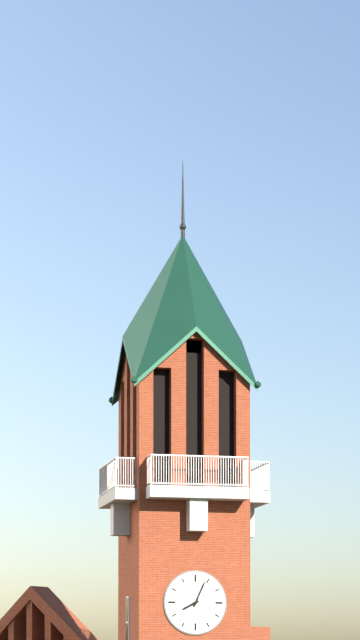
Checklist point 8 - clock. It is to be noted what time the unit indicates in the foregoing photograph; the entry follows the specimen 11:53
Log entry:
8:04
